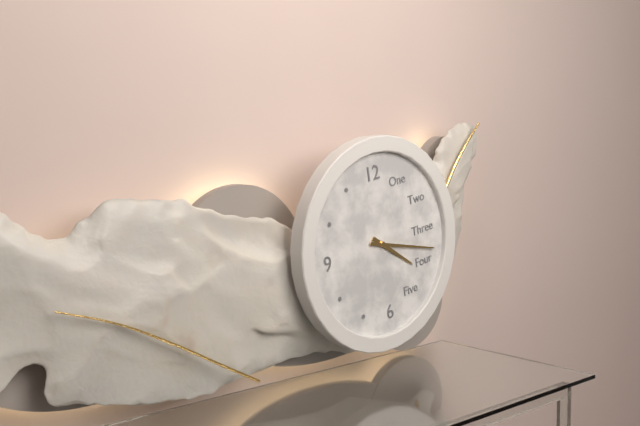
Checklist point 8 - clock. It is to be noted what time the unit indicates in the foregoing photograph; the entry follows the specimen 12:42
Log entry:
4:18
